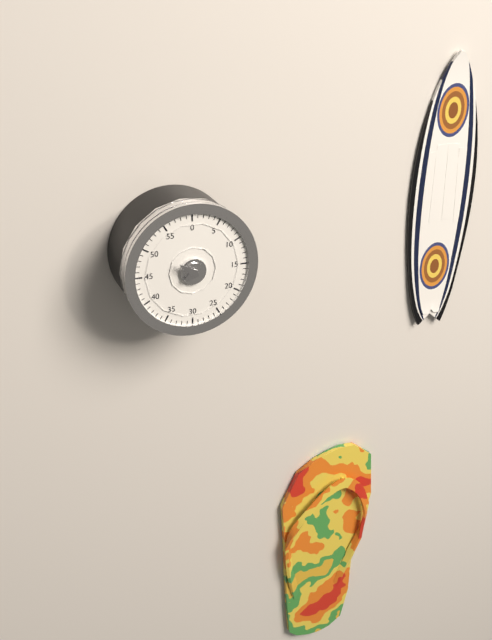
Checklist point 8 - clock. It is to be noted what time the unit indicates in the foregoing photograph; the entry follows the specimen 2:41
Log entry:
7:51
